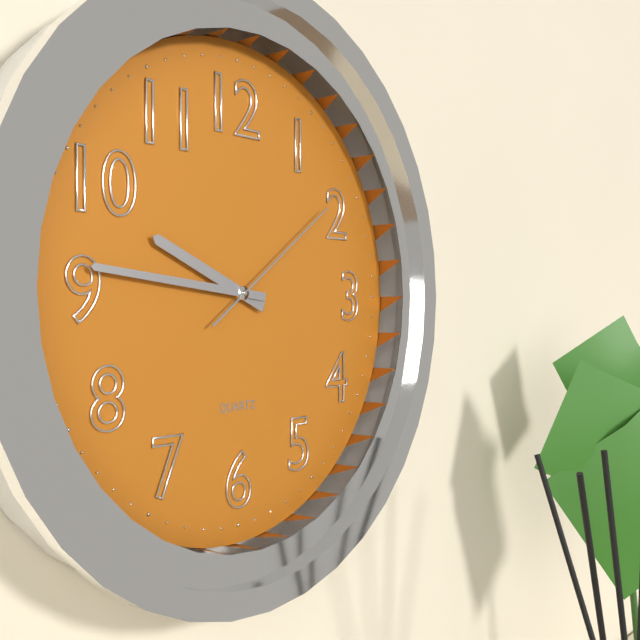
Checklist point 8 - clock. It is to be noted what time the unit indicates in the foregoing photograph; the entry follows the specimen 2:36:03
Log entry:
9:46:09
